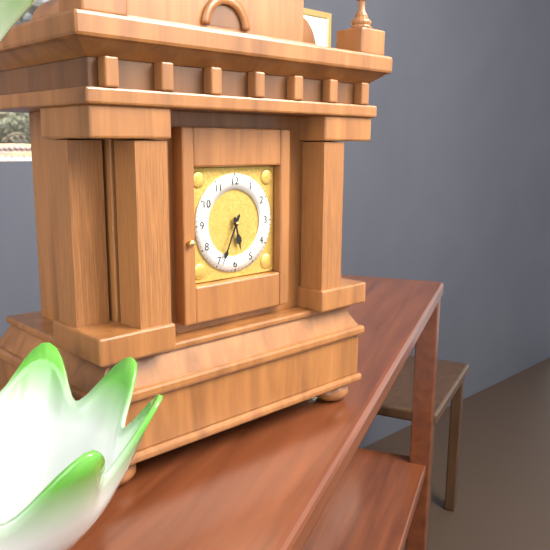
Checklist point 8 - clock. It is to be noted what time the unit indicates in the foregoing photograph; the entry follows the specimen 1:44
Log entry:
5:34
